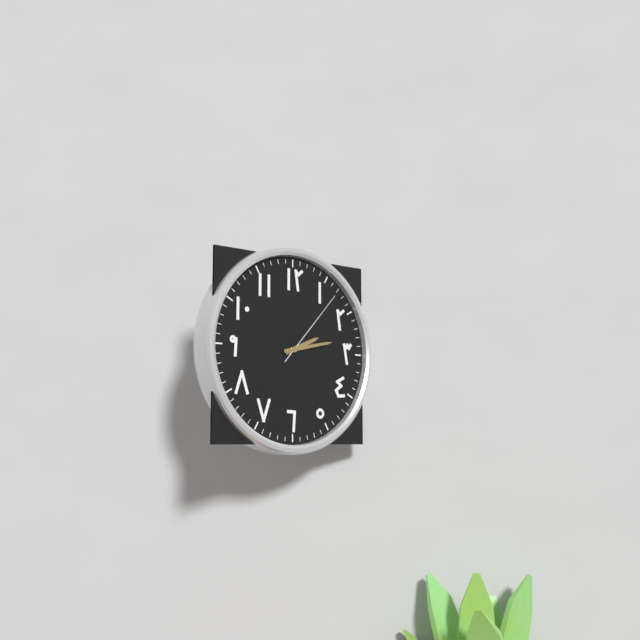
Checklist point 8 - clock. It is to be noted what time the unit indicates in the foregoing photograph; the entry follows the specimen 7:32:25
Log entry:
2:13:07
